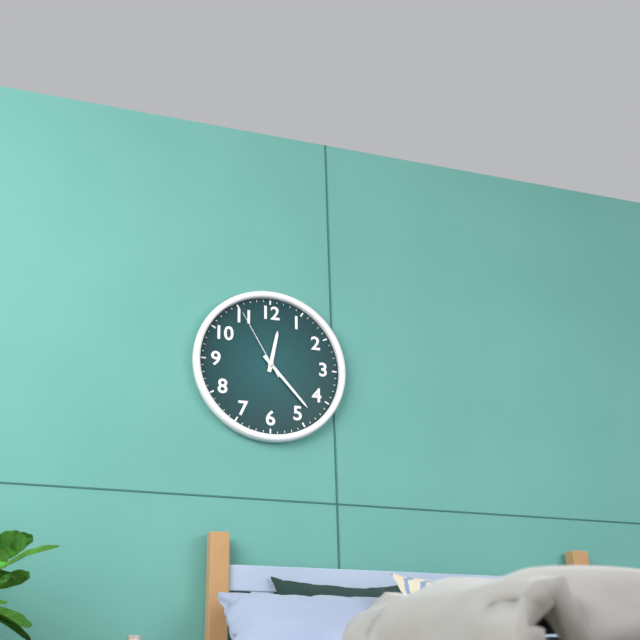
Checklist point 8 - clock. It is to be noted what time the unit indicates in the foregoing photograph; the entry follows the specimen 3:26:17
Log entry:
12:23:55
